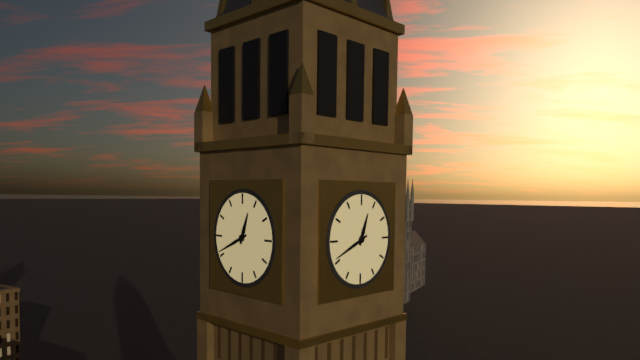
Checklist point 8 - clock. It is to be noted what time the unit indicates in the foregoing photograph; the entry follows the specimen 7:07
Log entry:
12:41
